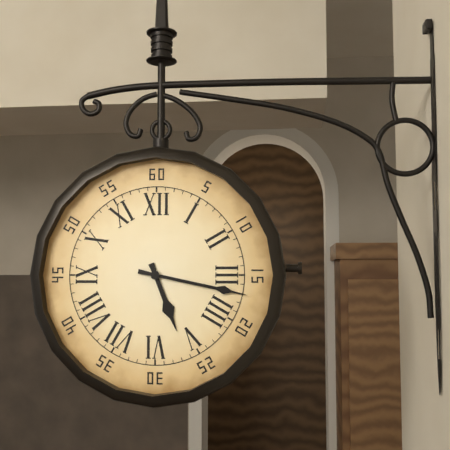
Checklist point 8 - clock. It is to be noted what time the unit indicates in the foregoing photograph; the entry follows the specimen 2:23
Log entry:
5:17
